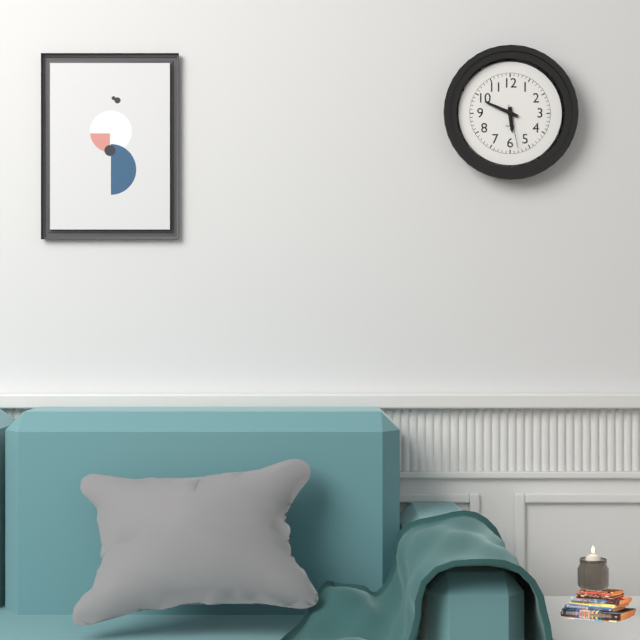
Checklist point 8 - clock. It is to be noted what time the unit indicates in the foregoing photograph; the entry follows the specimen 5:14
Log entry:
5:49
